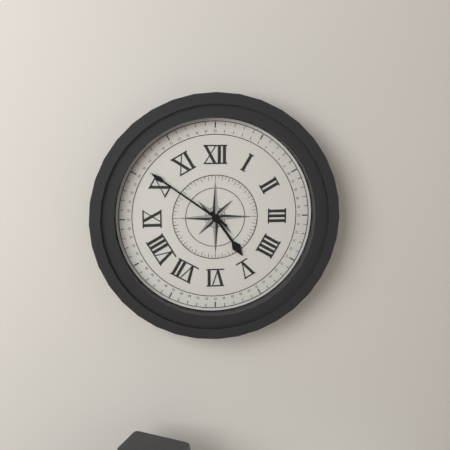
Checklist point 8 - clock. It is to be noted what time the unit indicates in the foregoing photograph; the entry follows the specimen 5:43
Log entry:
4:51
